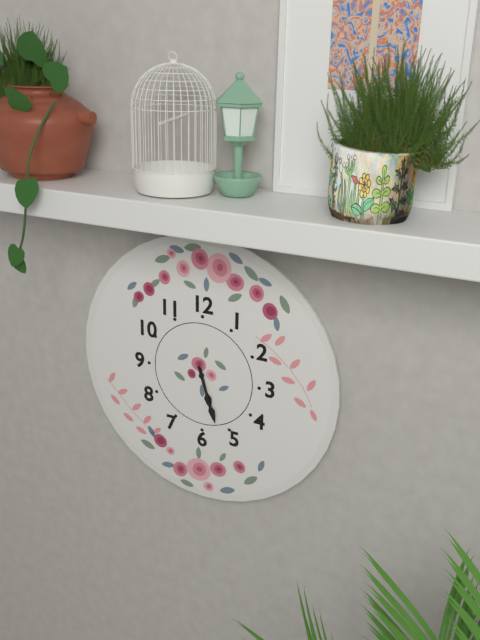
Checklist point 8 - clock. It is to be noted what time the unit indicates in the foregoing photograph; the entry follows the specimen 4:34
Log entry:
5:27
